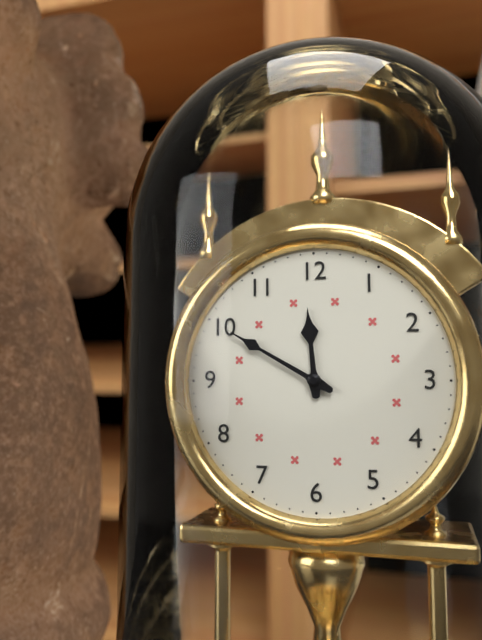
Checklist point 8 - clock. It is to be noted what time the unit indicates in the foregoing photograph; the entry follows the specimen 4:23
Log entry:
11:50
